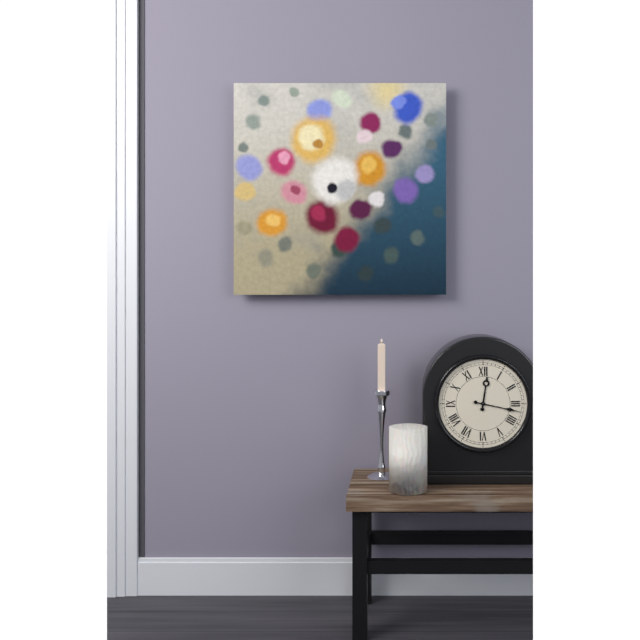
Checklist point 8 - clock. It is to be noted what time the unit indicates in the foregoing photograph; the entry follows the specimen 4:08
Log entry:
12:17
